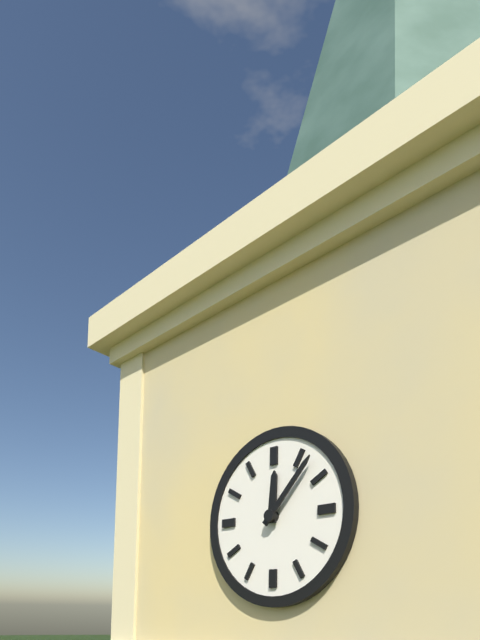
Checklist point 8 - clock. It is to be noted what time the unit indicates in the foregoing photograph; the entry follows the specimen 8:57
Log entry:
12:07
